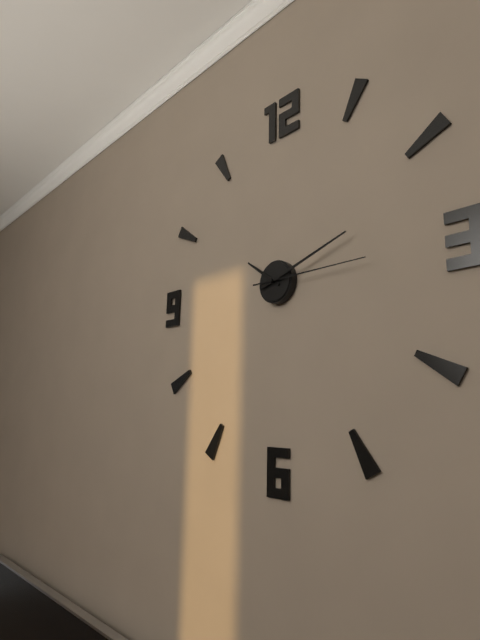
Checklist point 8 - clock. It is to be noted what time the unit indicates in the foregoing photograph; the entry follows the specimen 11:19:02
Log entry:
10:12:15
